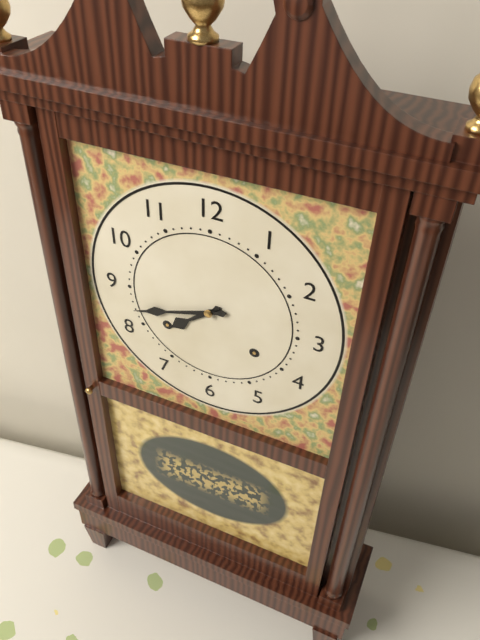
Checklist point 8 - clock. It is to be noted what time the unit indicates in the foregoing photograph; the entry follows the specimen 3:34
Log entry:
7:42
